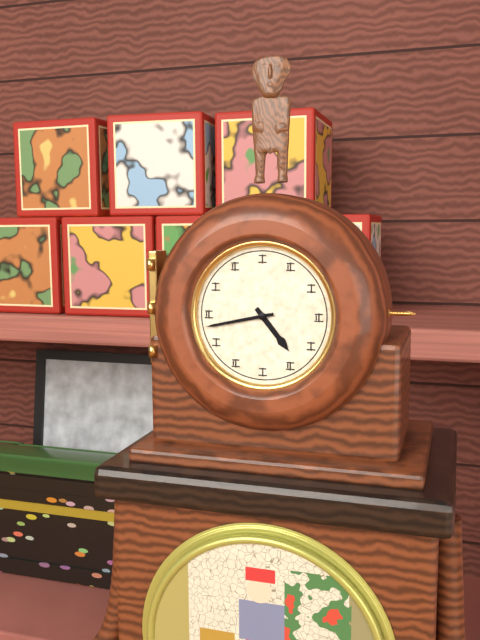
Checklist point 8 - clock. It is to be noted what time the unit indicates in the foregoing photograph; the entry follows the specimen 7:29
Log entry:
4:43
